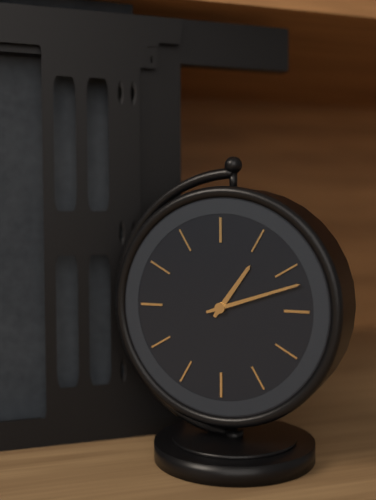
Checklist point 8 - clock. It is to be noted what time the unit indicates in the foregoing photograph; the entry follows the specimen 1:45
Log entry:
1:12
